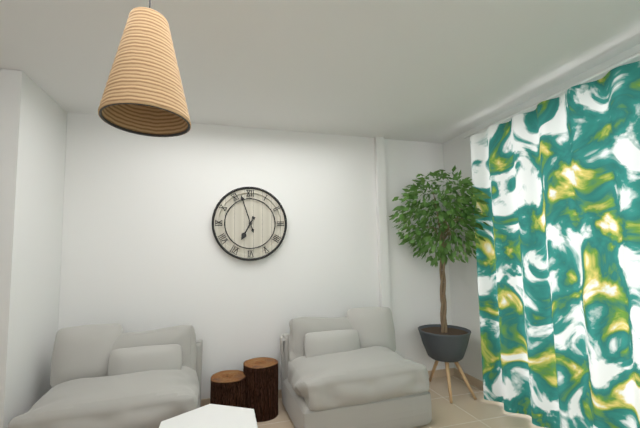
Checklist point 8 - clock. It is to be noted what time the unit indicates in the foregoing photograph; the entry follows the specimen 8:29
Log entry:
6:57
